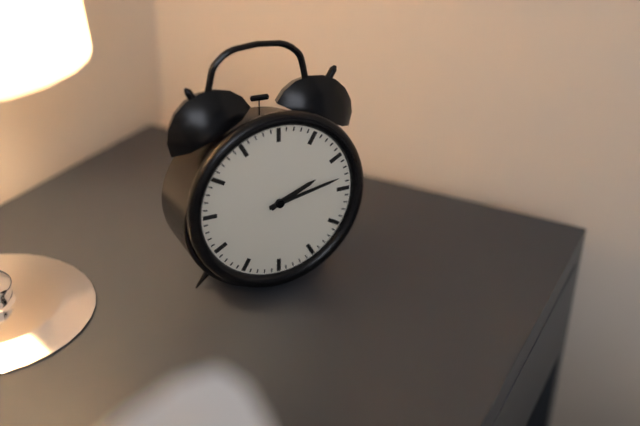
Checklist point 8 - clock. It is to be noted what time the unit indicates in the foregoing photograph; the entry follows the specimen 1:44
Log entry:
2:13
